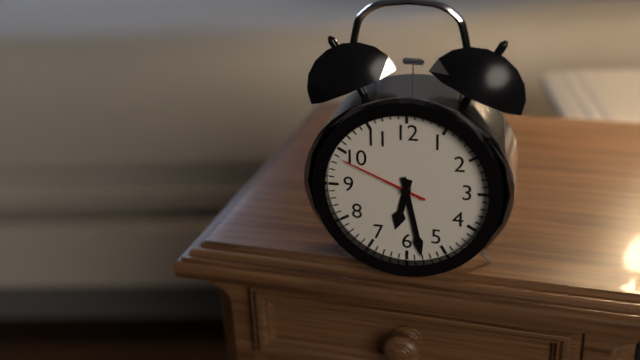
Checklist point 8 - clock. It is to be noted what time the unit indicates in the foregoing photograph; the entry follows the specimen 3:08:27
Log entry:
6:28:49
